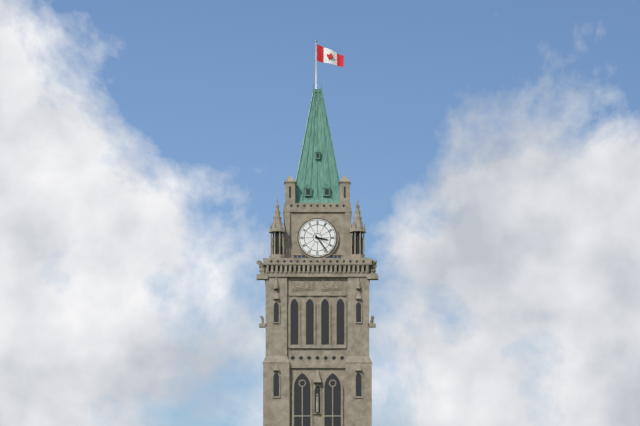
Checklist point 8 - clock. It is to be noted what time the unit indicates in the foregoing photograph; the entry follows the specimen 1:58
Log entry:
3:24
